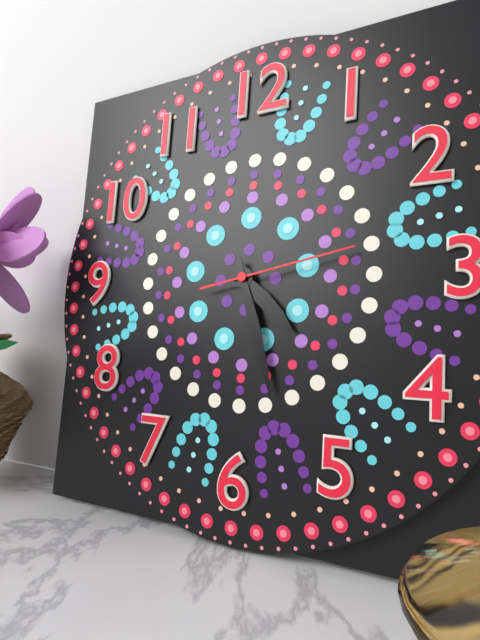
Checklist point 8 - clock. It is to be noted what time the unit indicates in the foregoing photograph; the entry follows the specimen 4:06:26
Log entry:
4:27:13
